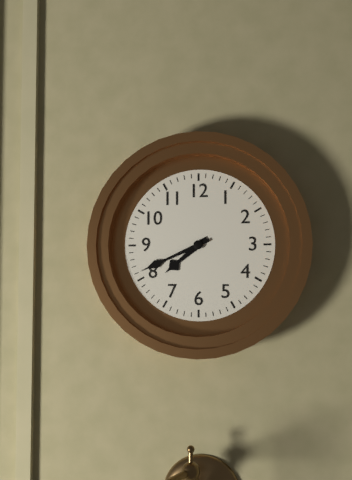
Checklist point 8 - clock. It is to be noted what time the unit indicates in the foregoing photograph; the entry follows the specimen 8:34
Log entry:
7:41
